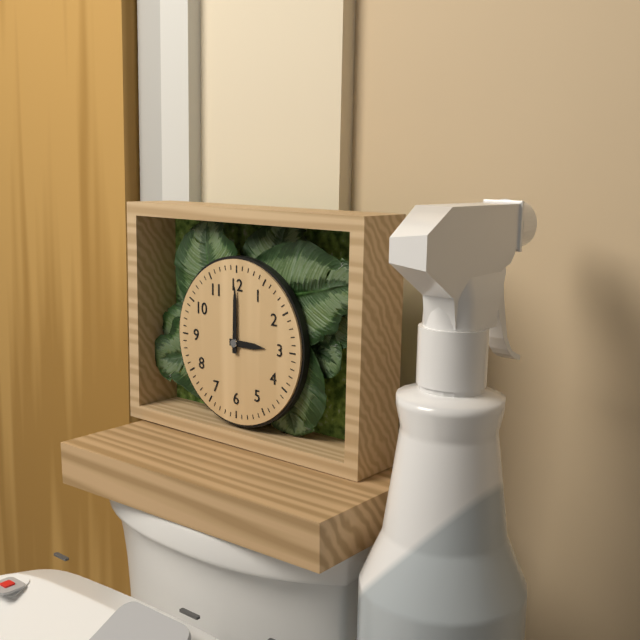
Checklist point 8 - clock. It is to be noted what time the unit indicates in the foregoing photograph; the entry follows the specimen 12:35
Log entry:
3:00
